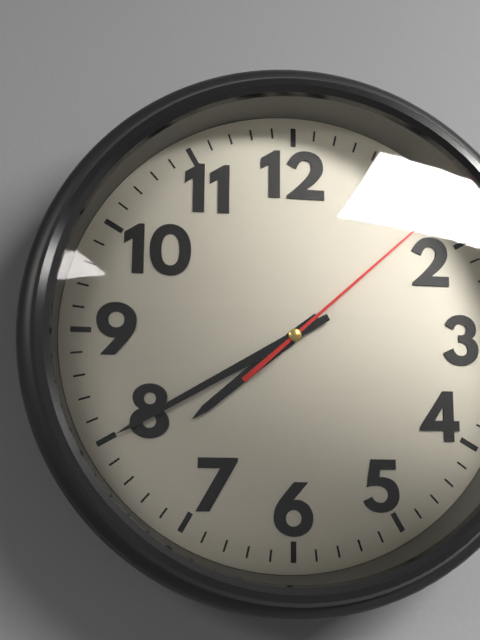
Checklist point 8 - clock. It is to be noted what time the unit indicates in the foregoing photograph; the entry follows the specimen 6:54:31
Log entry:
7:40:08
